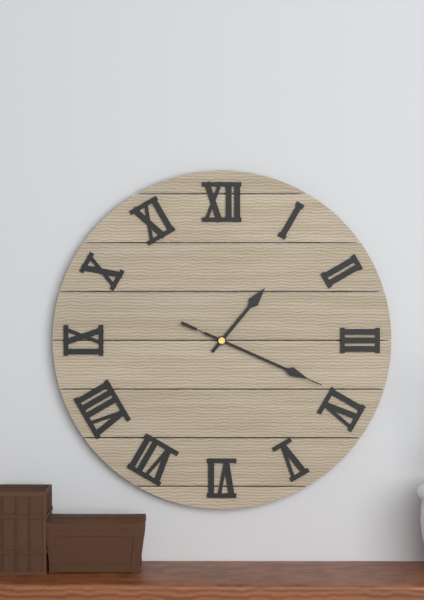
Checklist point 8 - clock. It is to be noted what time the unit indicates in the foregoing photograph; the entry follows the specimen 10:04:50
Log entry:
1:19:19
